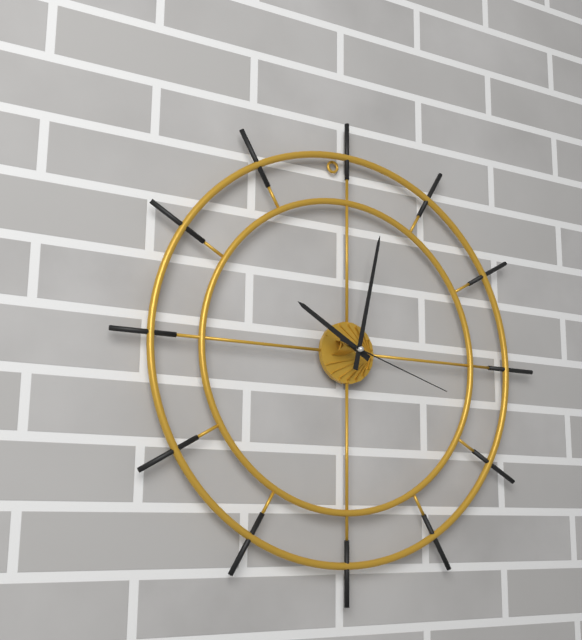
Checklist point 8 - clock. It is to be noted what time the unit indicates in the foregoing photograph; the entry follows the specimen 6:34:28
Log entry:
10:02:18
